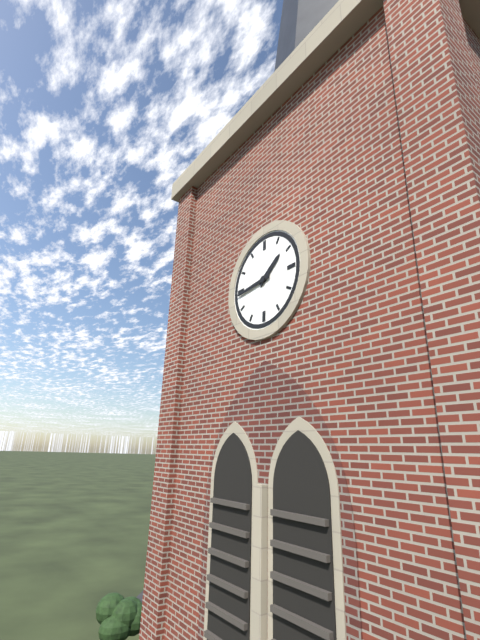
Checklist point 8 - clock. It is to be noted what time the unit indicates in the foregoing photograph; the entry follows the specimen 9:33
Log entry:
1:44
